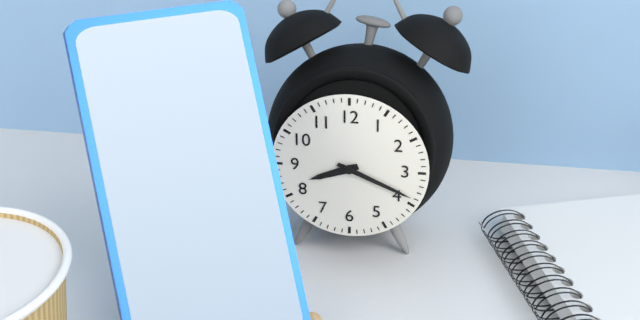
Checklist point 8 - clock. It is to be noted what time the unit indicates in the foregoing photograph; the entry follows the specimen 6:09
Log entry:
8:19
